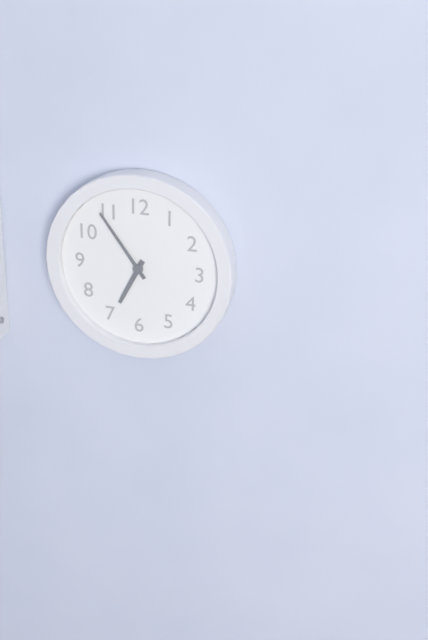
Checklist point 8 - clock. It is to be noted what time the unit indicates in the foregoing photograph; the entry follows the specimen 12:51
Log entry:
6:54
